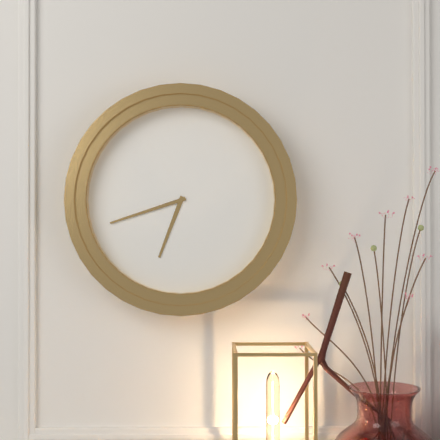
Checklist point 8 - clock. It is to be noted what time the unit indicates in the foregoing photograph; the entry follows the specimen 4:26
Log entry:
6:42
